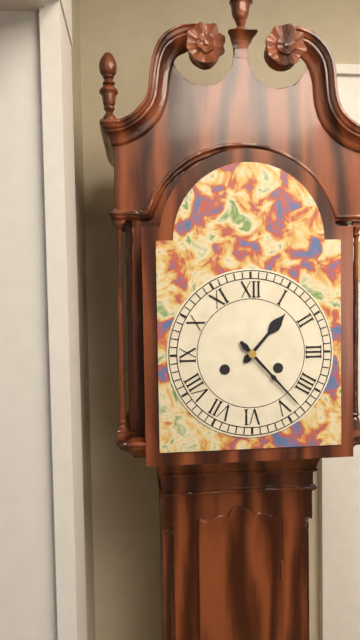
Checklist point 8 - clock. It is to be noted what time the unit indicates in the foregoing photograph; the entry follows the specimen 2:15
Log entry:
1:23
